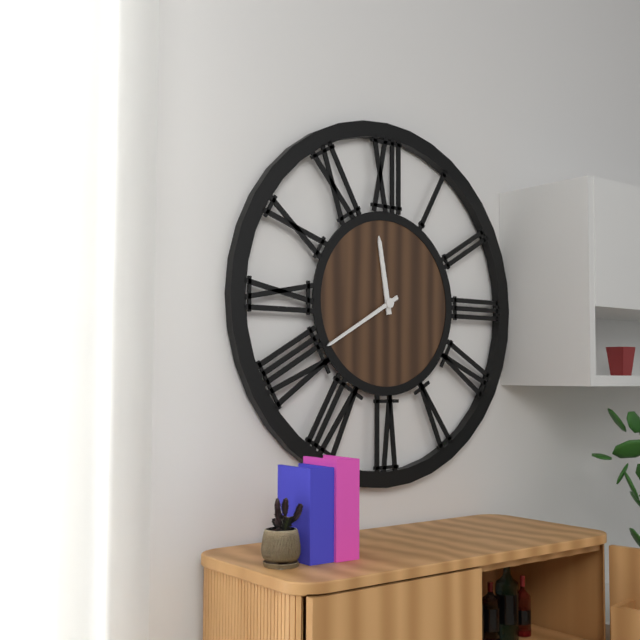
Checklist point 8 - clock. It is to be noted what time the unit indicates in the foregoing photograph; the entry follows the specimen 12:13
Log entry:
11:40
